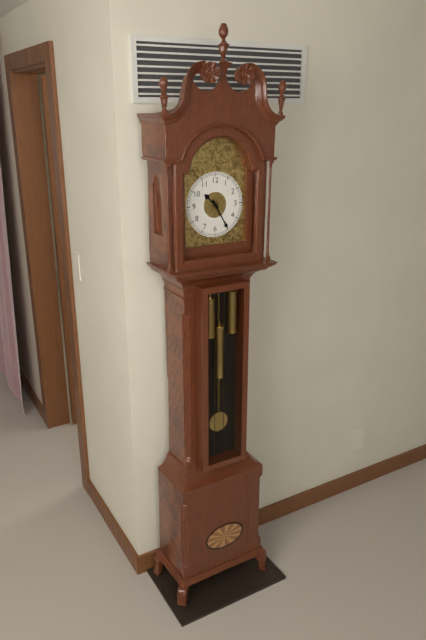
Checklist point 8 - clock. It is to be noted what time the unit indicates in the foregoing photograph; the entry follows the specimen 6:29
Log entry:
10:25
